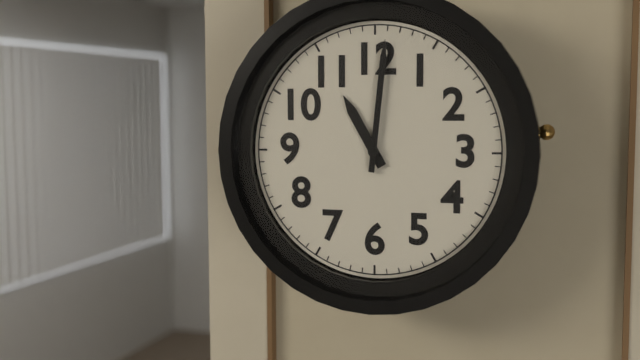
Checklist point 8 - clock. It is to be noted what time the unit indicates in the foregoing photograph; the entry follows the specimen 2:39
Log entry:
11:01
